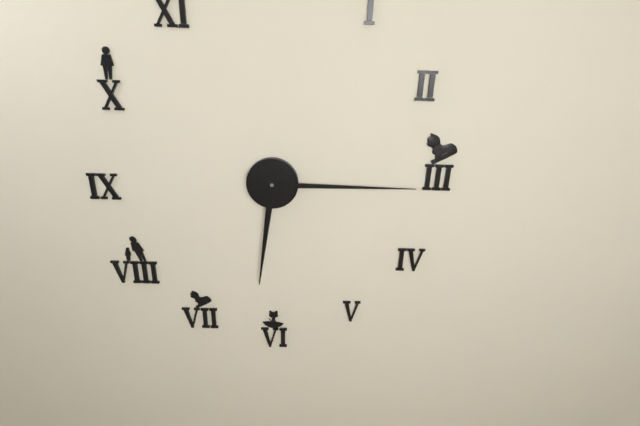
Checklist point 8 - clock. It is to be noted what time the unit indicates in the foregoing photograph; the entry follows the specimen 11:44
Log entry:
6:15
